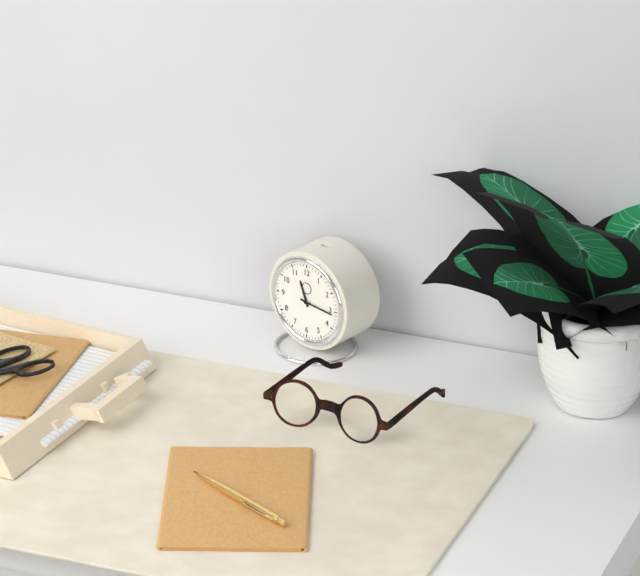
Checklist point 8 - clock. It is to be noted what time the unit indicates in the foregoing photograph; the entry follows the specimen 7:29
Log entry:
11:16
